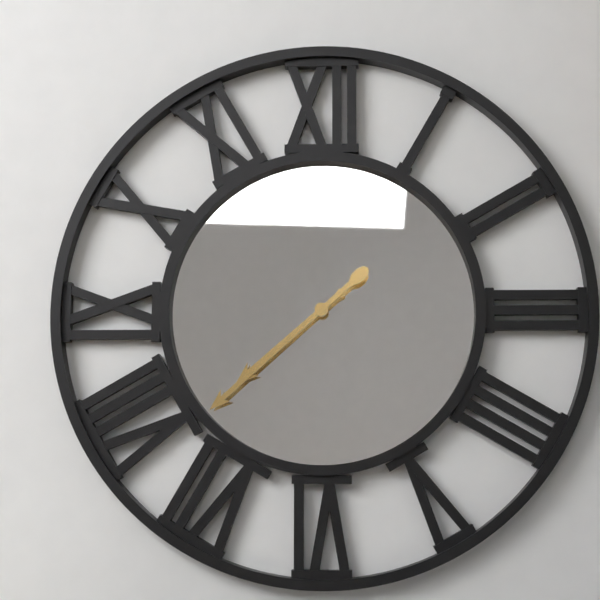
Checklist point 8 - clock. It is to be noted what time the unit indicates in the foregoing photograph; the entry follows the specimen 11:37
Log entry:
7:38
